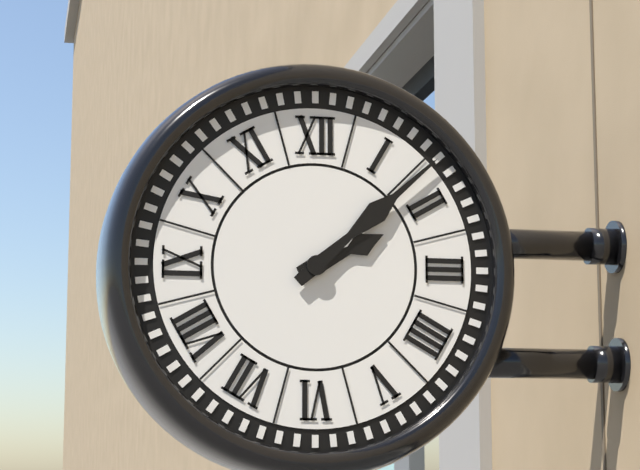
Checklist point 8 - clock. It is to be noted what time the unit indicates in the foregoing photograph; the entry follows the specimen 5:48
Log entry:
2:08
